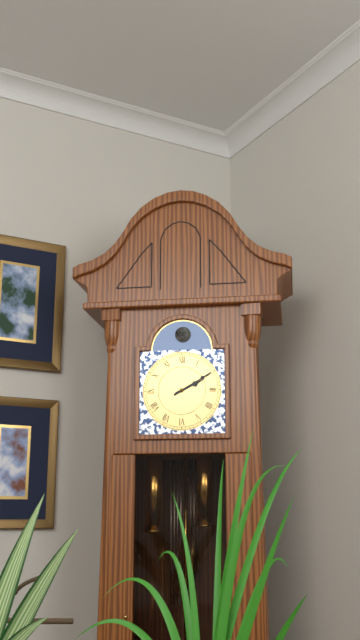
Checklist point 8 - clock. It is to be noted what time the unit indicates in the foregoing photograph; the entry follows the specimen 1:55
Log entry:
2:10
